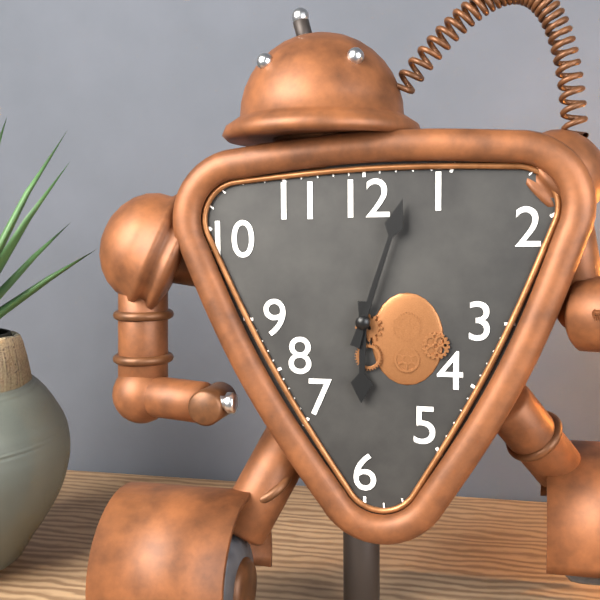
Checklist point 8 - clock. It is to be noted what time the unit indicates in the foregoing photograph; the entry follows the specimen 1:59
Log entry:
6:03
